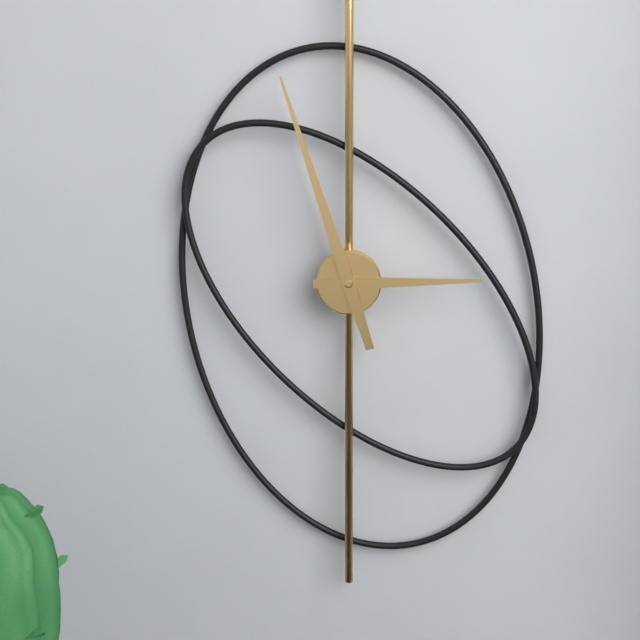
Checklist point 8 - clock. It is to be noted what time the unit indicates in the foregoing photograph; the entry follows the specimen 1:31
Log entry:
2:57
